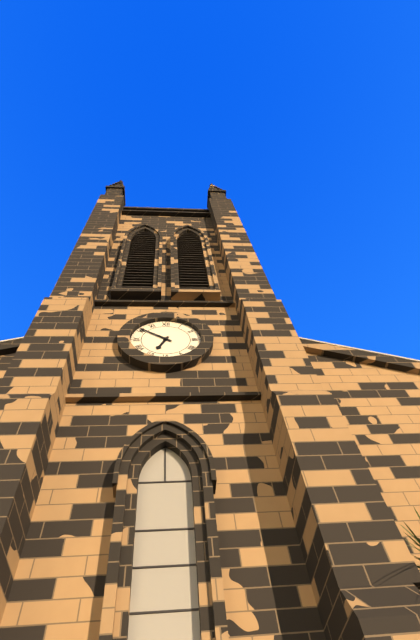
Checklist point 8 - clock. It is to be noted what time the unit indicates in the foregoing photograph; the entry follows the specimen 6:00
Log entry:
6:51
